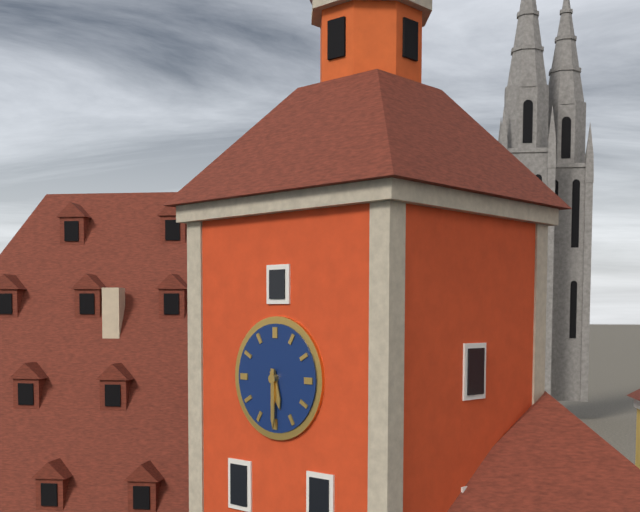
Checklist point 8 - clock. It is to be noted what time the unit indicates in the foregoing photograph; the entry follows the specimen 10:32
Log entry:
5:30
